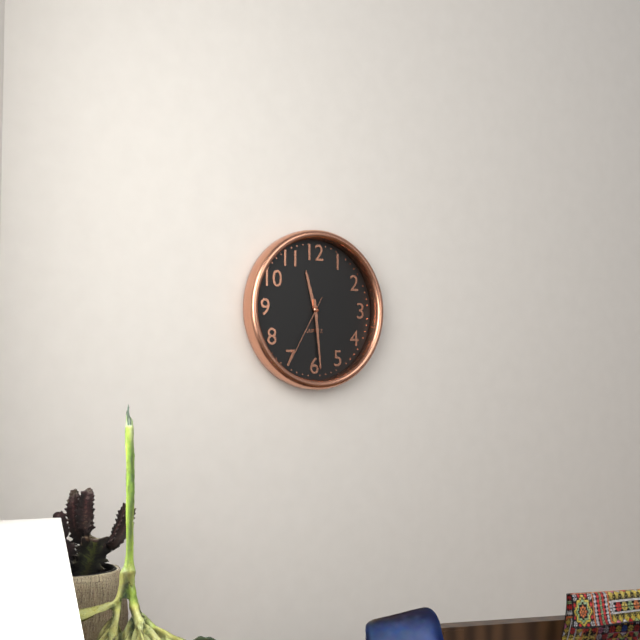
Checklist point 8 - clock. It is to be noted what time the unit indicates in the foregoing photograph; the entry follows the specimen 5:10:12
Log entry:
11:29:35
